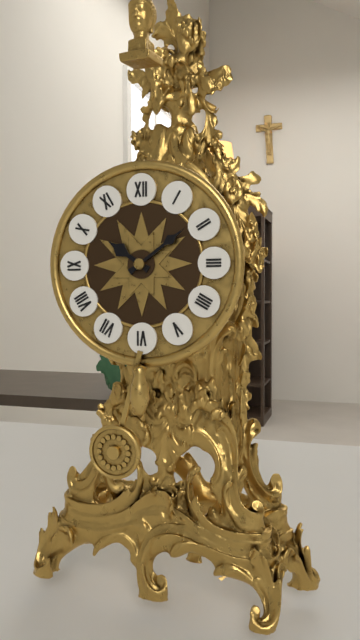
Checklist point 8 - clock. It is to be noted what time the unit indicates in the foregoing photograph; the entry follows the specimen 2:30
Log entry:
10:09
